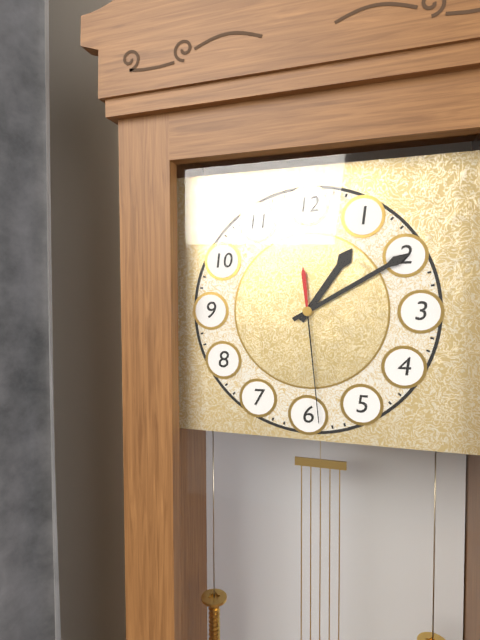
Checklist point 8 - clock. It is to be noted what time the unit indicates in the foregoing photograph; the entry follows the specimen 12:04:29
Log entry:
1:10:29
